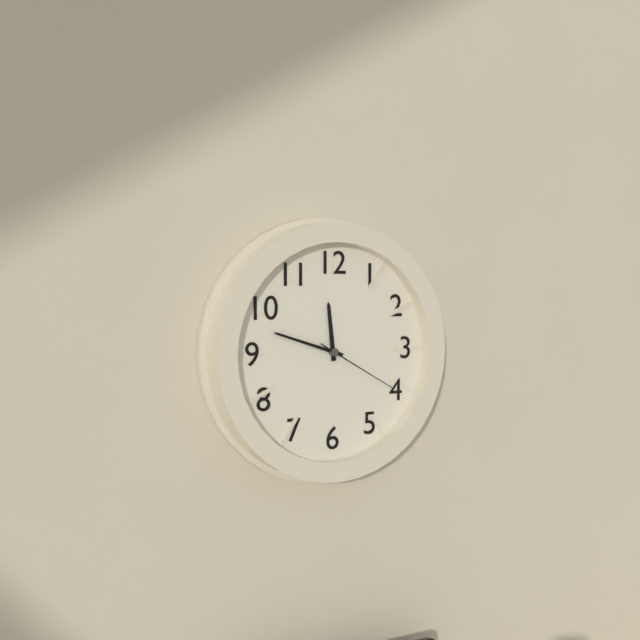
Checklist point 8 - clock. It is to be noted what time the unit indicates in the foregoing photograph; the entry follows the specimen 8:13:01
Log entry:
11:48:20
